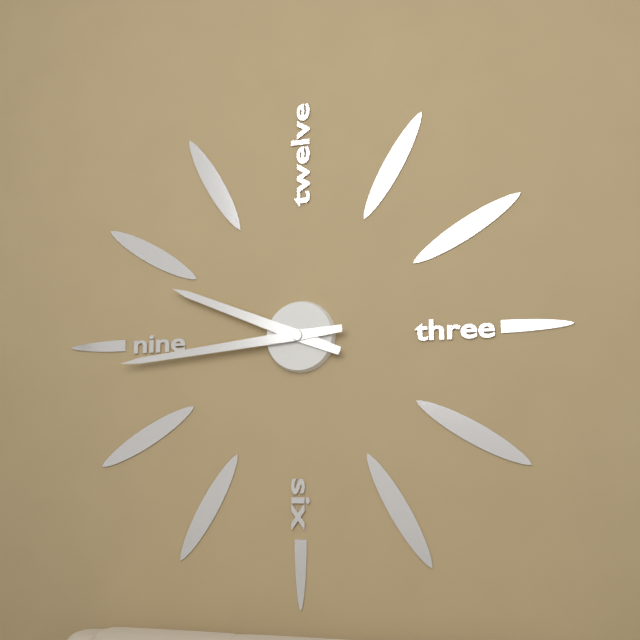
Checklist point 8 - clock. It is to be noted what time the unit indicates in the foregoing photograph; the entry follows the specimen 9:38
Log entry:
9:44
